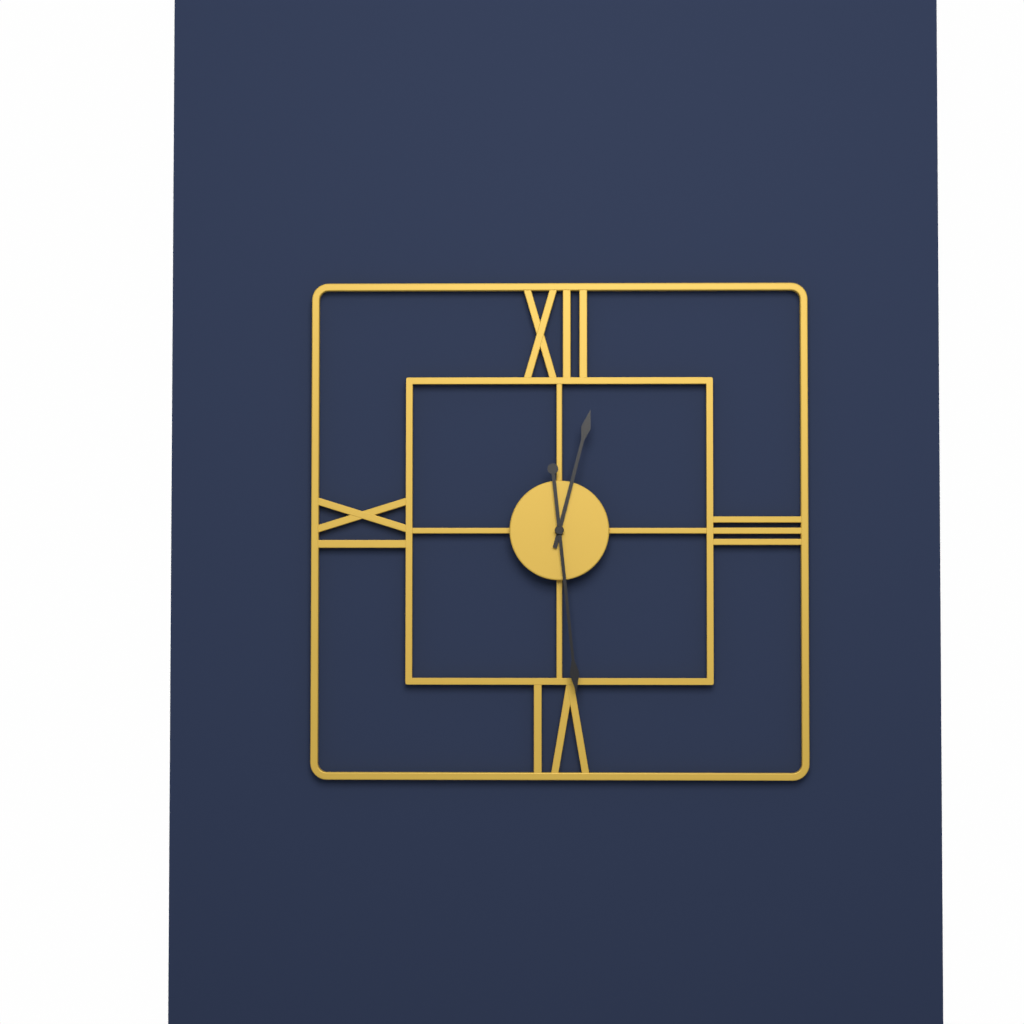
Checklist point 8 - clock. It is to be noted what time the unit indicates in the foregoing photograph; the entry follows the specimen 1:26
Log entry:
12:29
